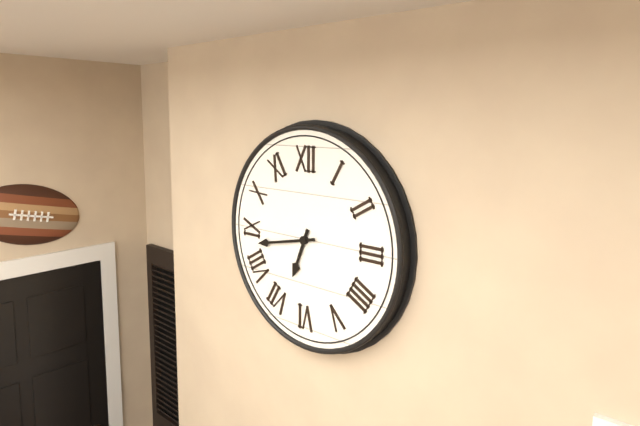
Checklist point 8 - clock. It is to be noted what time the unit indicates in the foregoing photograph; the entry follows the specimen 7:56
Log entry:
6:43
